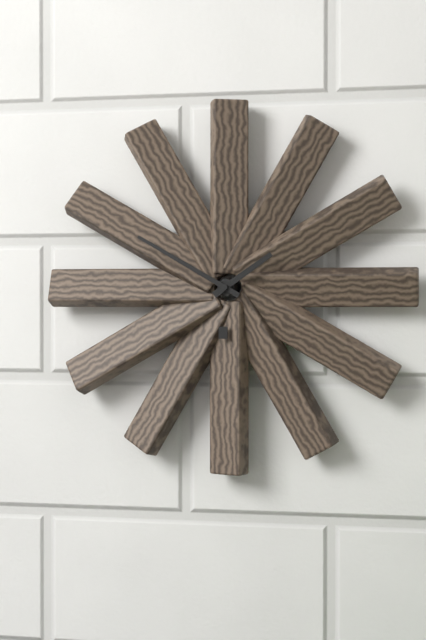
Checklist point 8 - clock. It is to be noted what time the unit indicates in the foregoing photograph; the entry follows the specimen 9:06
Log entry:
1:50
